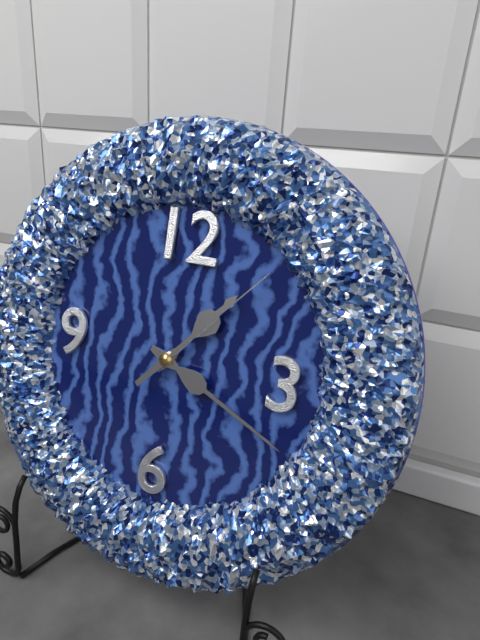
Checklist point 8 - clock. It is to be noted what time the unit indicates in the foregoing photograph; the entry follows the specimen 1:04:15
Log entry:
1:19:07
